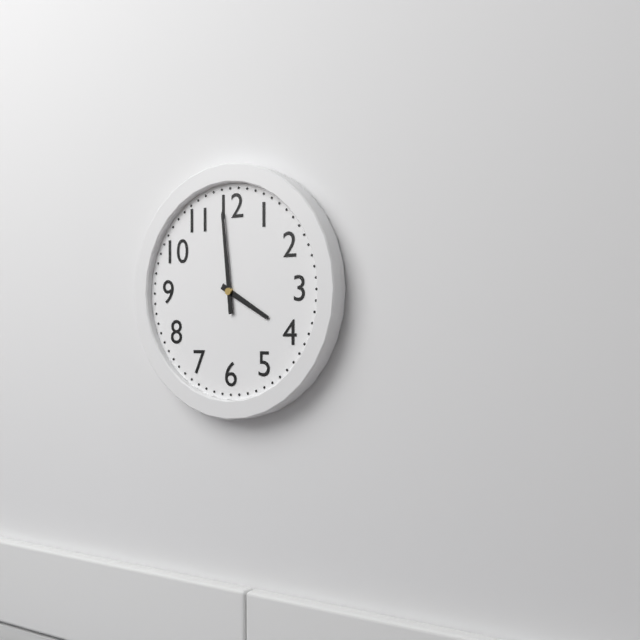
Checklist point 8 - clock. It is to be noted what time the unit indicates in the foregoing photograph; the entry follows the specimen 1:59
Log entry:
3:59
